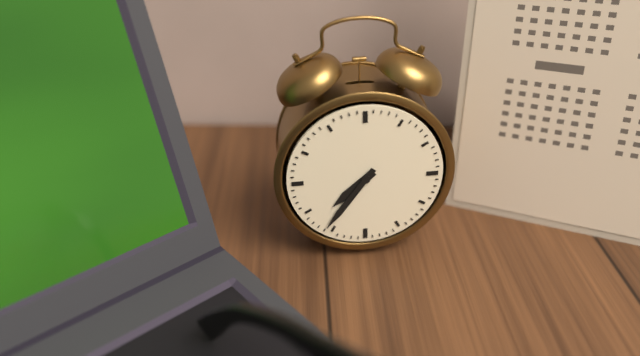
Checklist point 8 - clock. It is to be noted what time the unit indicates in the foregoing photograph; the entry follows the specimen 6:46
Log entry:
7:36
